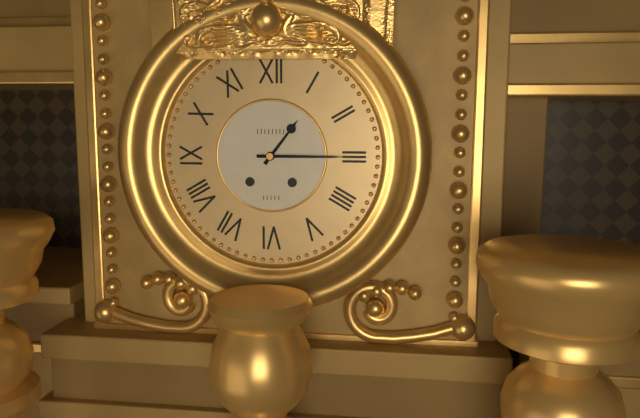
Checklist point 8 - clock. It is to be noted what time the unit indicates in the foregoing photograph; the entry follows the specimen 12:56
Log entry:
1:15
